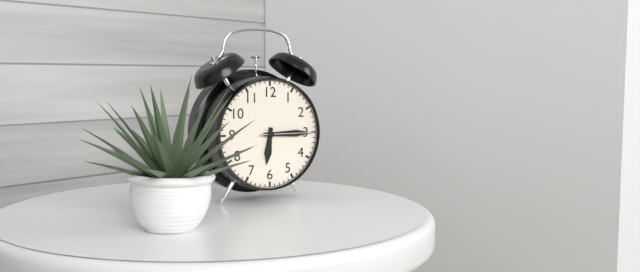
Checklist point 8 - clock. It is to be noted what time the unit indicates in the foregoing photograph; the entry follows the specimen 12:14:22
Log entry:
6:15:15
